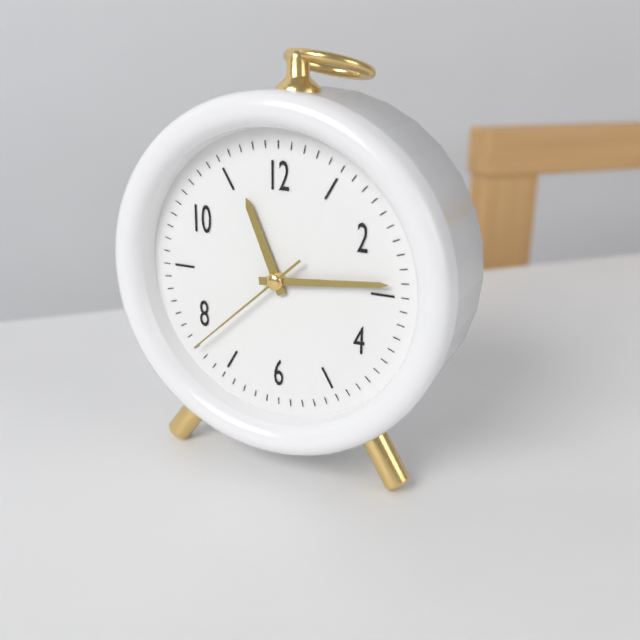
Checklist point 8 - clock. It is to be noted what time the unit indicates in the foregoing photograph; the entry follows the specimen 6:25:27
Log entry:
11:14:38
